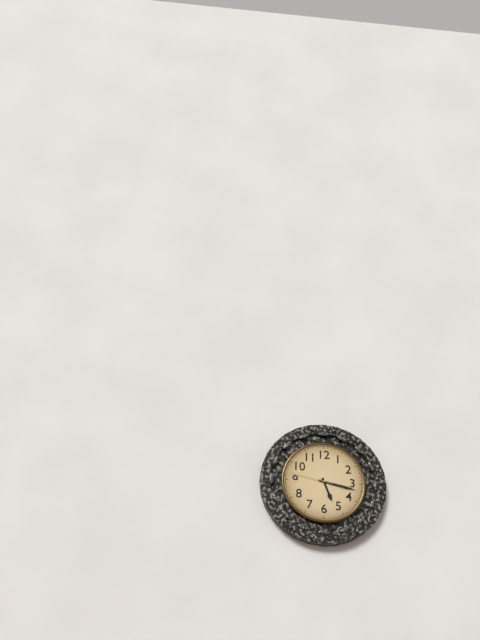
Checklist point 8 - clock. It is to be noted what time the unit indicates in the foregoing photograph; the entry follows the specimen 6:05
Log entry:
5:17
